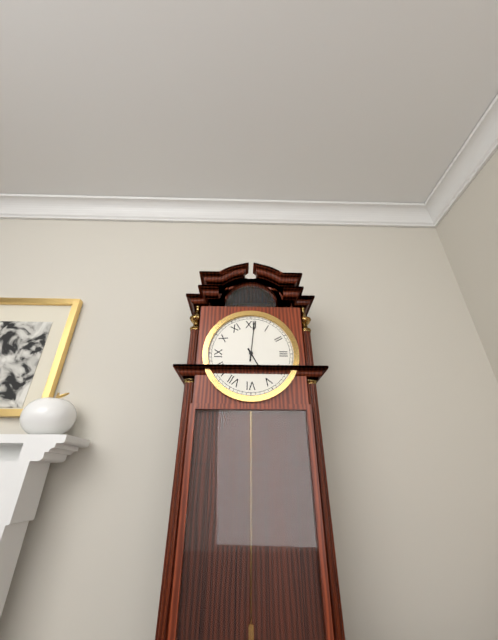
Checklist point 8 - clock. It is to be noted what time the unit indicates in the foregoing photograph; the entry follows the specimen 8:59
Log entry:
5:01
